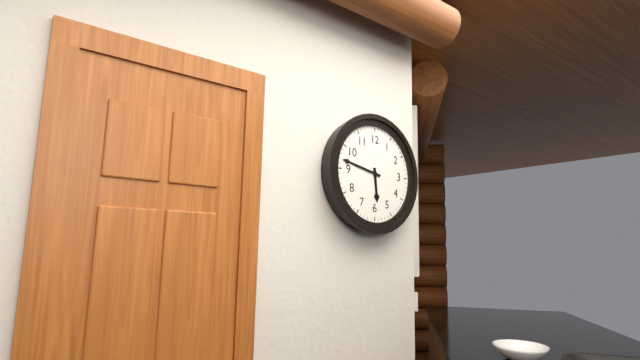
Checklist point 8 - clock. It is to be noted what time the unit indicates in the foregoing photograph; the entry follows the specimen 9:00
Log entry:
5:47
